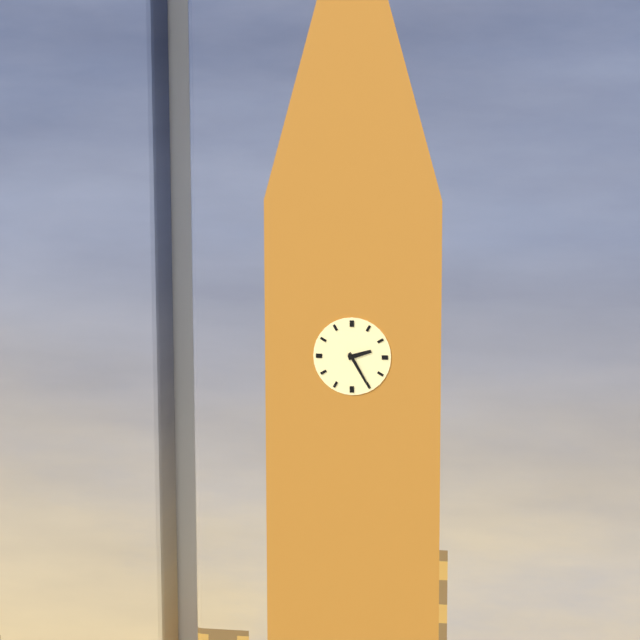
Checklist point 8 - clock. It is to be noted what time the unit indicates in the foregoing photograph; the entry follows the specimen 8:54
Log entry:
2:25
